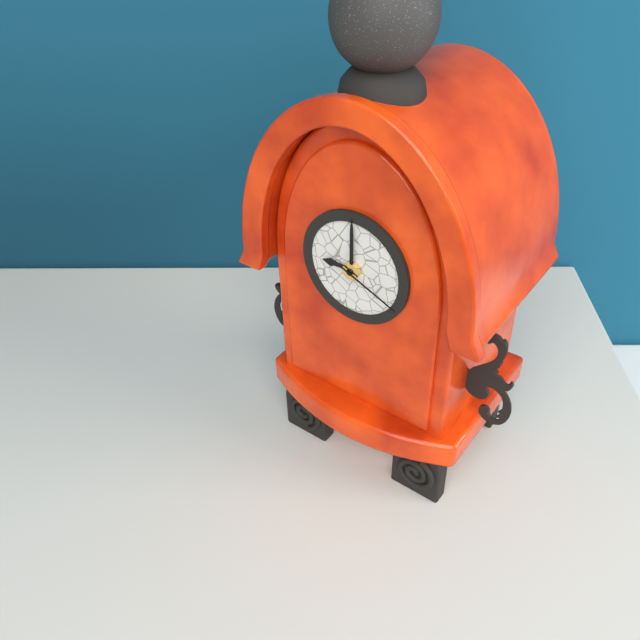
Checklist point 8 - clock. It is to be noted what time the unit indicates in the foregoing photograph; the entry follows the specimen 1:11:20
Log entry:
9:00:19
